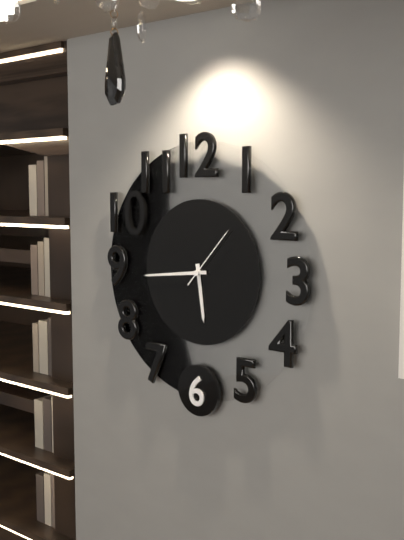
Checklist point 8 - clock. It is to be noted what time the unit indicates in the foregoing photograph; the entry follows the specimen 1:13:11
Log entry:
5:44:07
